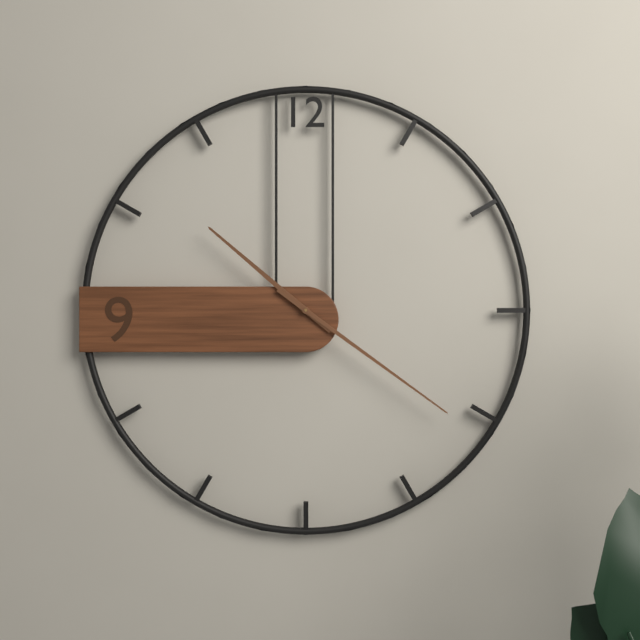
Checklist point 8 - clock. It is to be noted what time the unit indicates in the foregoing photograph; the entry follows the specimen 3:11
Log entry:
10:21
